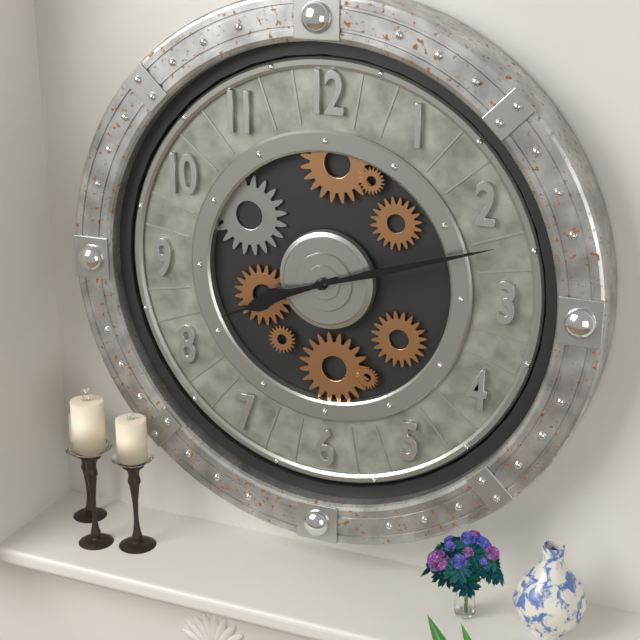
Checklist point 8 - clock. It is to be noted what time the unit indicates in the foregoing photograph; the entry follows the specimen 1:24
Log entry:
8:12
